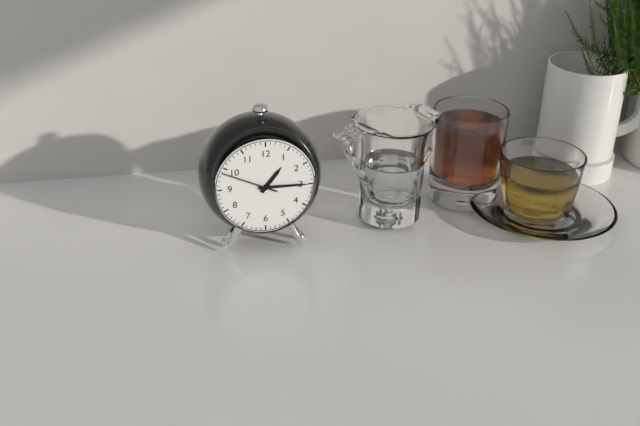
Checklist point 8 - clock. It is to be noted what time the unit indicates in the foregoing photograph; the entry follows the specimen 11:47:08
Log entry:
1:15:49
